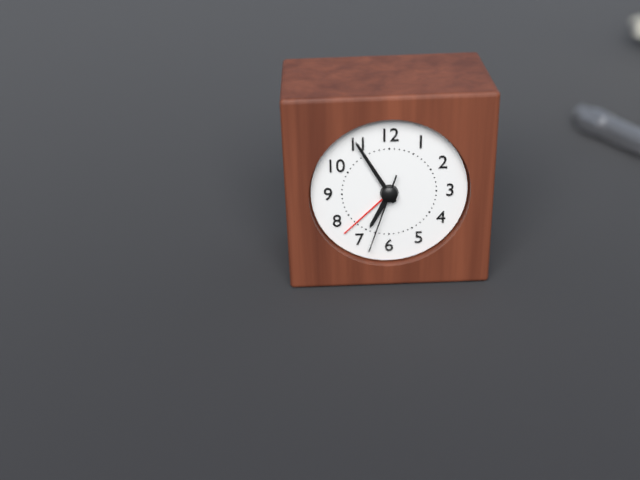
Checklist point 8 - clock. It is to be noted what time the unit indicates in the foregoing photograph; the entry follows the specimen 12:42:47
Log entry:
6:55:33
